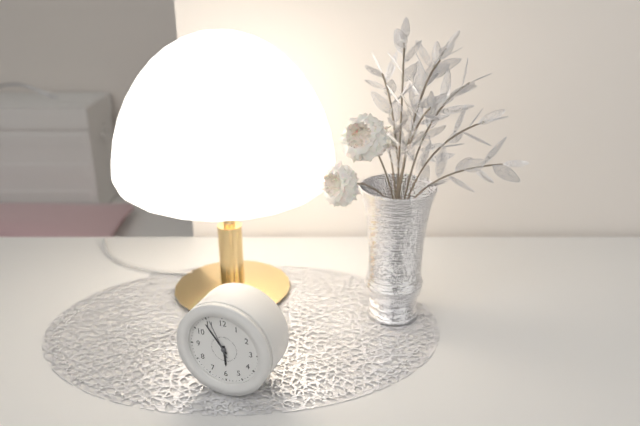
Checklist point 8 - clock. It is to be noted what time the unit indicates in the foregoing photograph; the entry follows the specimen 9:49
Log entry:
5:54
